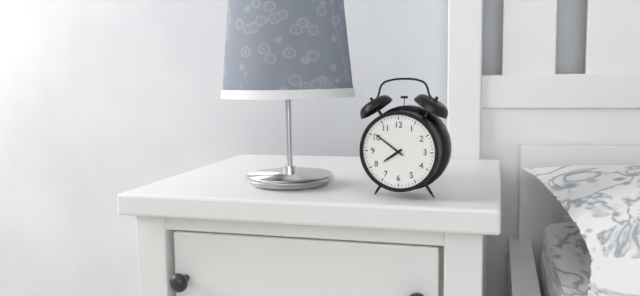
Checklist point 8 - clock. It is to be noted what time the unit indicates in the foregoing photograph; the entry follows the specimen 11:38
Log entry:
7:51
